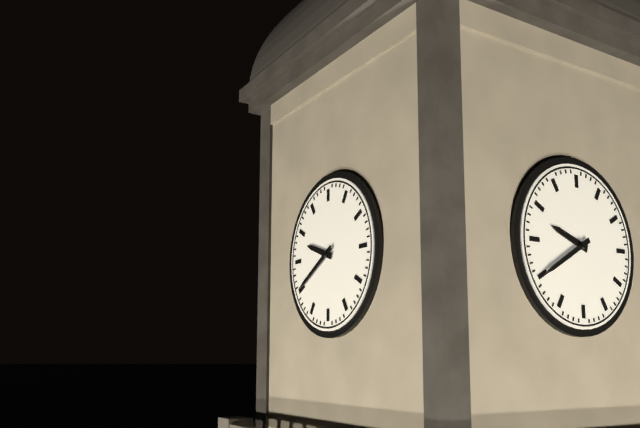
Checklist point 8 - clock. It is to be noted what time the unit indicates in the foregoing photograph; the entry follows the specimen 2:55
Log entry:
9:40
